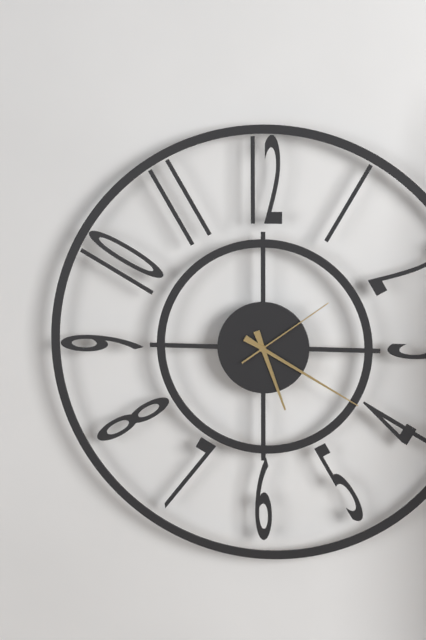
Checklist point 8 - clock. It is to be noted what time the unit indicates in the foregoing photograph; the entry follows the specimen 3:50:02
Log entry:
5:20:09
